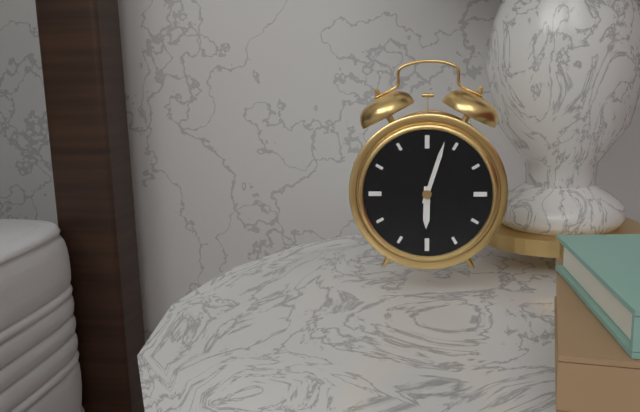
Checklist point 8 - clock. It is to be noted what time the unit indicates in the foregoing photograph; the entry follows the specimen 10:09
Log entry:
6:03
